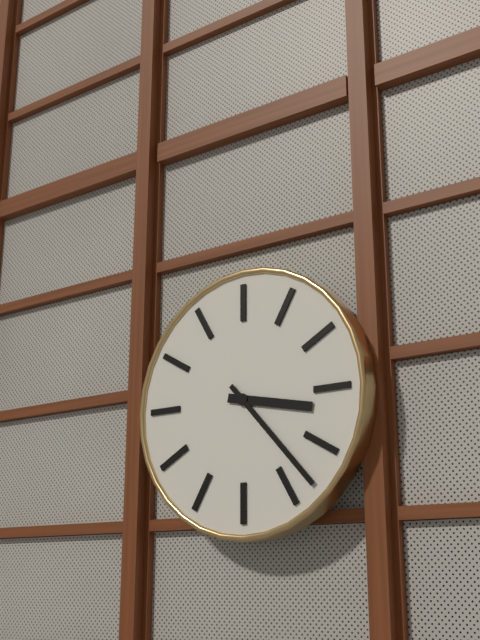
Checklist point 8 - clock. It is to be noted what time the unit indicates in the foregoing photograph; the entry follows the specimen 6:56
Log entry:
3:23
